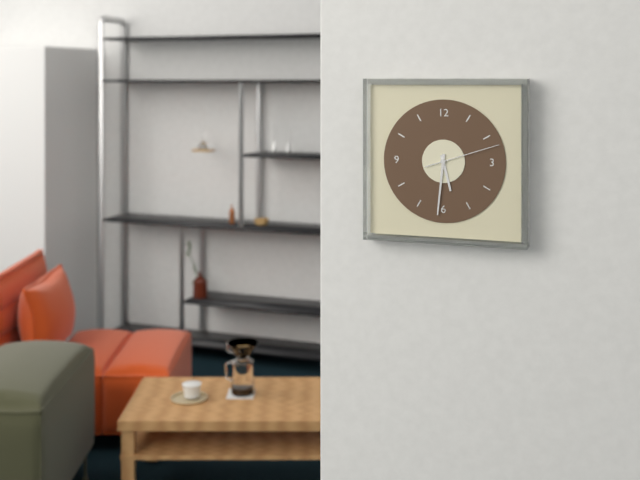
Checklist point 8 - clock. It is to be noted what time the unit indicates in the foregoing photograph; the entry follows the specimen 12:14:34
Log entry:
5:31:12
